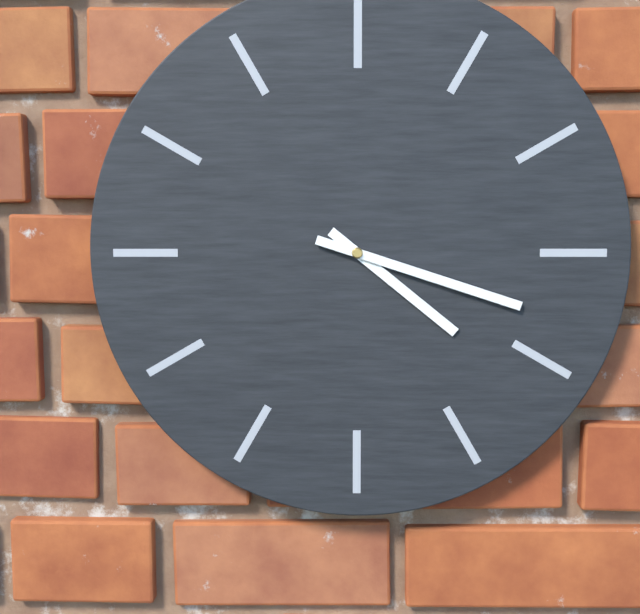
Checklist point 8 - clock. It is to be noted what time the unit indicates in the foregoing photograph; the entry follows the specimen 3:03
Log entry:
4:18
